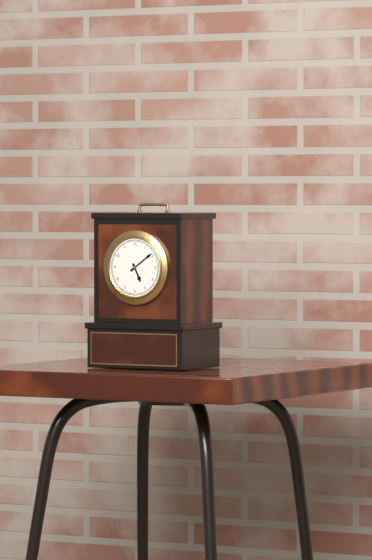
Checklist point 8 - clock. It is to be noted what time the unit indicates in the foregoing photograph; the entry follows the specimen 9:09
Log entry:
5:09
